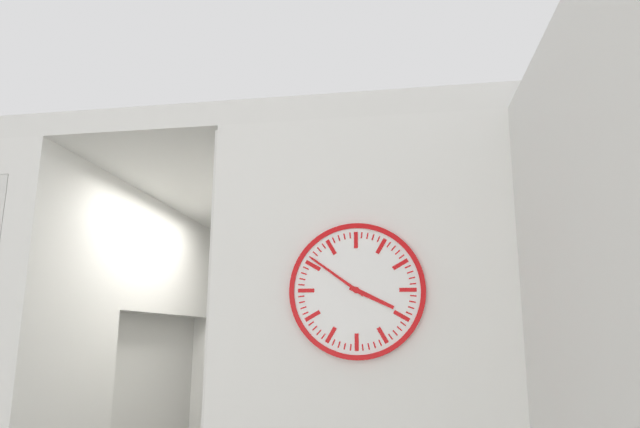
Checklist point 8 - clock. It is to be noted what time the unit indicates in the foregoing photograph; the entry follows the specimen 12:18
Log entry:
3:51
